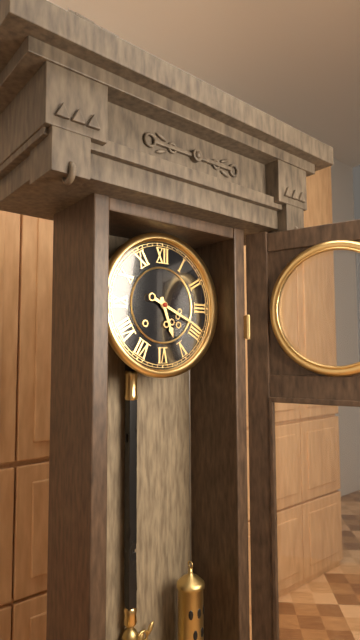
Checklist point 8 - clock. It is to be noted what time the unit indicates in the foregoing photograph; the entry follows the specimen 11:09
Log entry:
5:19
